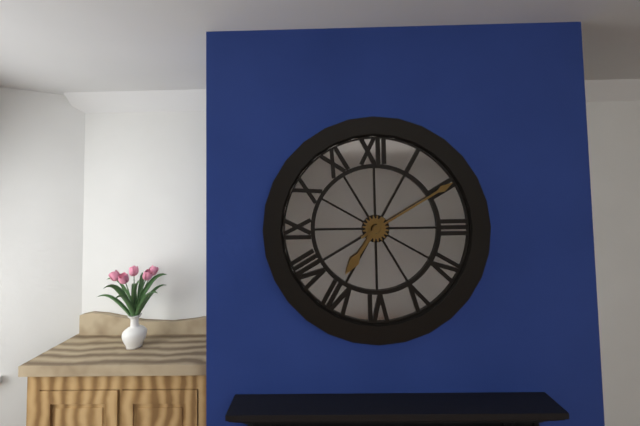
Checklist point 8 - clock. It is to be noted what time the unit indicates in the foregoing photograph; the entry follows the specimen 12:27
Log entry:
7:10
